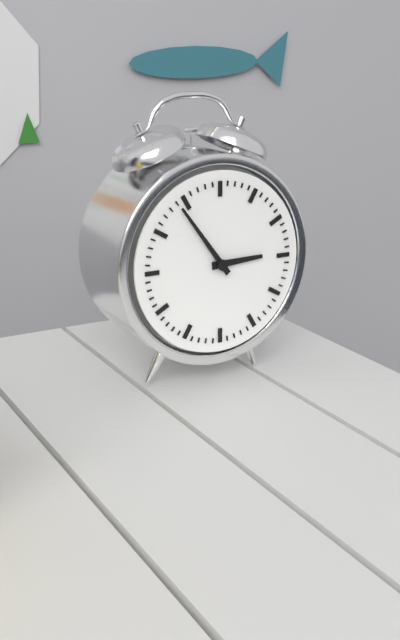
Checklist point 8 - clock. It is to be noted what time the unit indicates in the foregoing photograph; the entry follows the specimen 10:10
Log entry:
2:54
